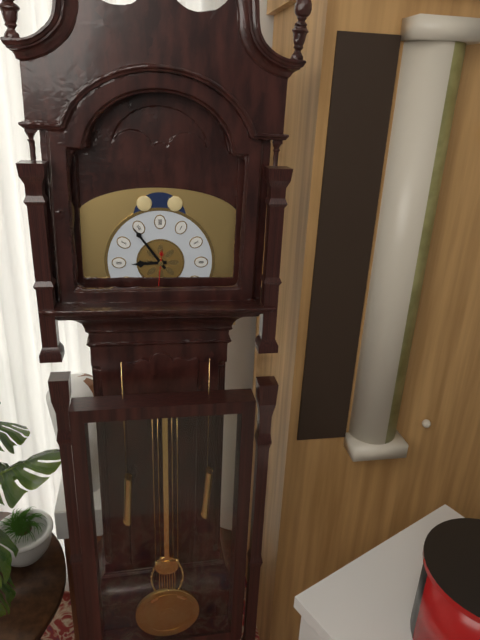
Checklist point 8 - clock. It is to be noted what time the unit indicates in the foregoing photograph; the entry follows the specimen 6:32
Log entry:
8:54
